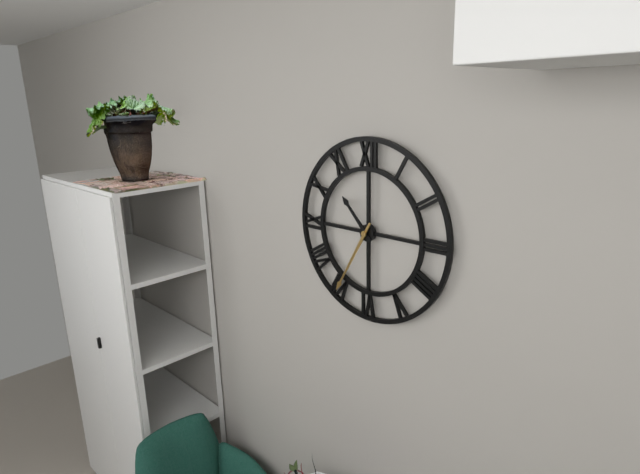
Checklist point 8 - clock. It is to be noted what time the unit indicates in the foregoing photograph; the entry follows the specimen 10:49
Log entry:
10:35
